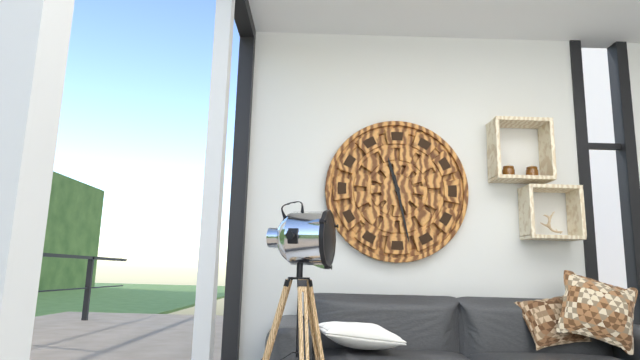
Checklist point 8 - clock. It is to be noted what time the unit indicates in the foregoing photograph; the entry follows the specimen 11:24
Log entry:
11:28
